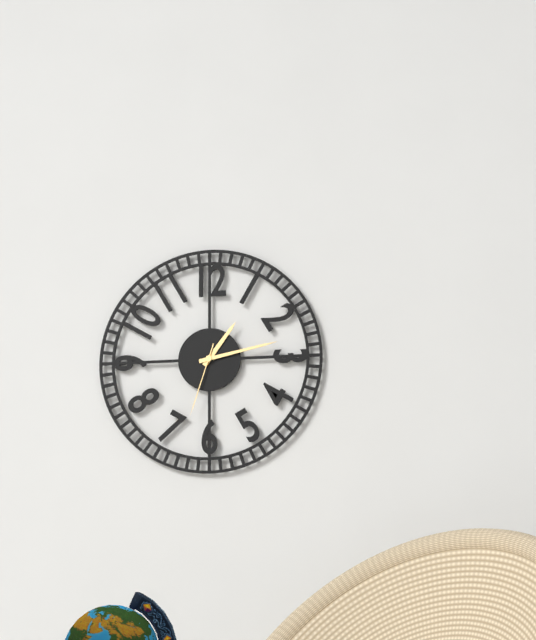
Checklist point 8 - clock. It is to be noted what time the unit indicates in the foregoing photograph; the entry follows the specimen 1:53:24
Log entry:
1:13:33
